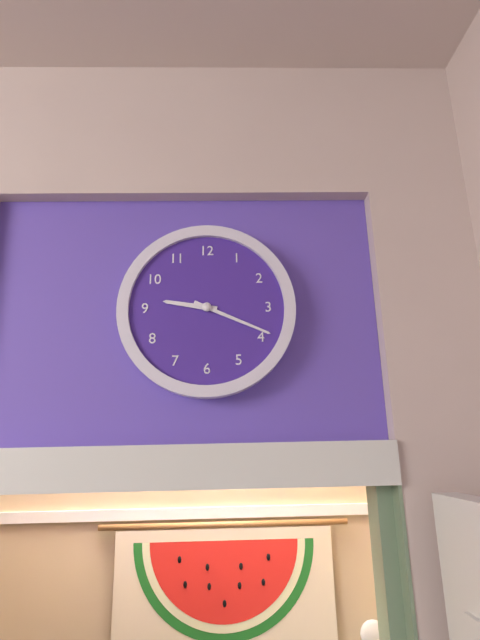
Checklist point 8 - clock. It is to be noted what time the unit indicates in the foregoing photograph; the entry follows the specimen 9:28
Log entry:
9:19
